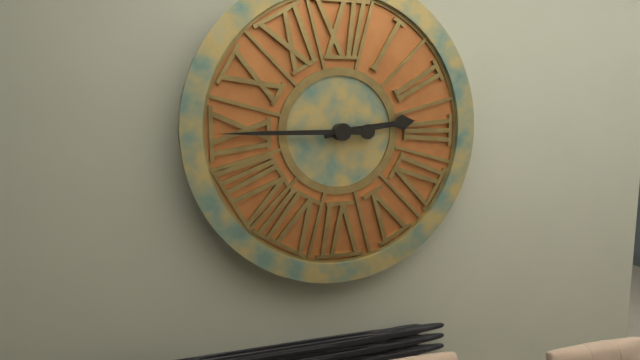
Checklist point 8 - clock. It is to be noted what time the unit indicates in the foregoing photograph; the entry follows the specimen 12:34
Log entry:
2:45
